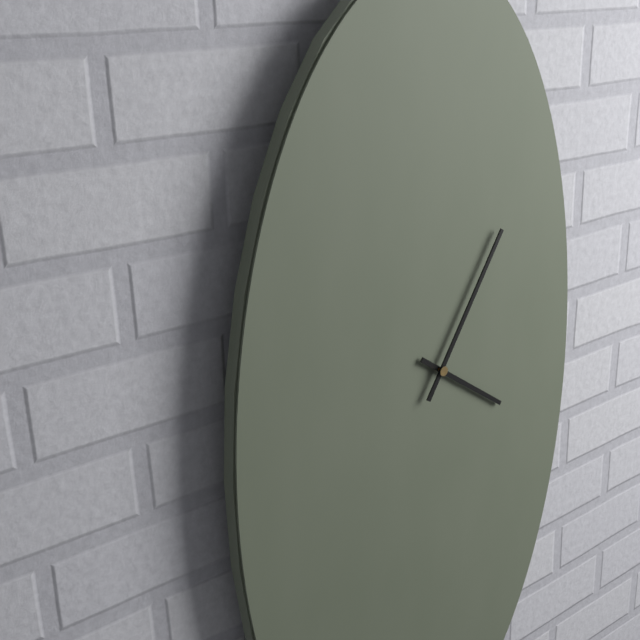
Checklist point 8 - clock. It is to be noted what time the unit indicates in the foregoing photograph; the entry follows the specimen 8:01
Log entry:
4:05
